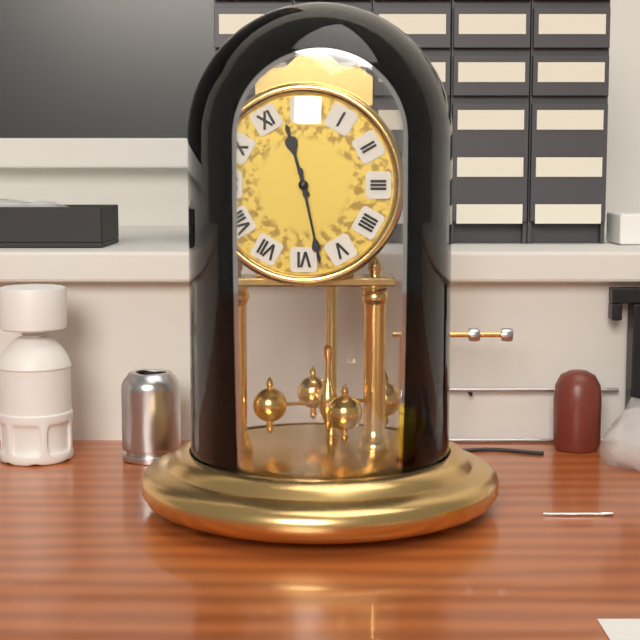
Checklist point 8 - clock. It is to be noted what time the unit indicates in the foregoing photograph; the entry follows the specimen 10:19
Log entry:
11:28
